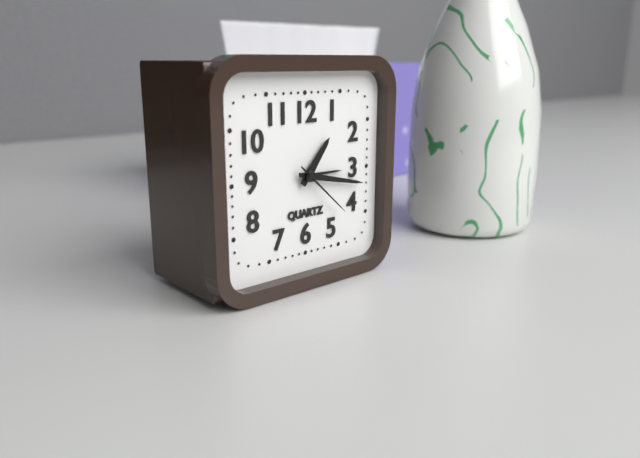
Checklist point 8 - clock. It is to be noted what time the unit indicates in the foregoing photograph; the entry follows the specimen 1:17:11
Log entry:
1:17:22
